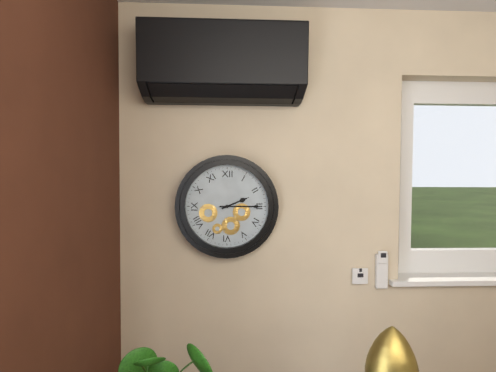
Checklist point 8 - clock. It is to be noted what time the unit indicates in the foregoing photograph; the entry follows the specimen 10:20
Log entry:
2:15
